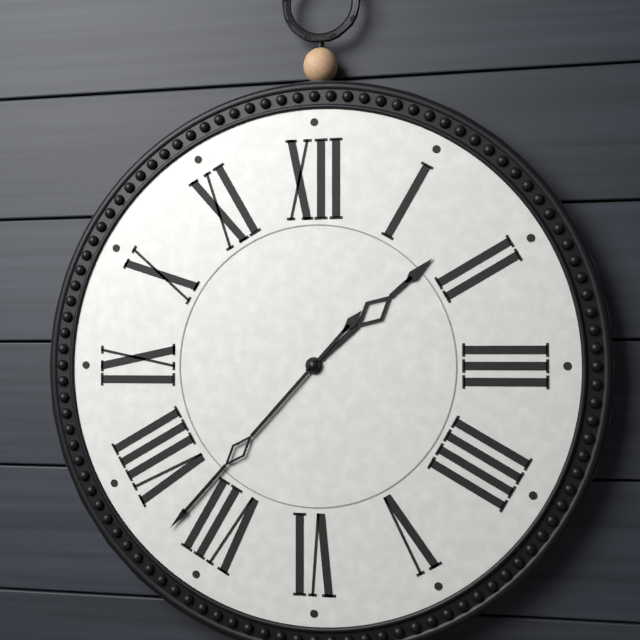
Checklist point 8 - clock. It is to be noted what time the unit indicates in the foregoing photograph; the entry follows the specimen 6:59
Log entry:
1:37
